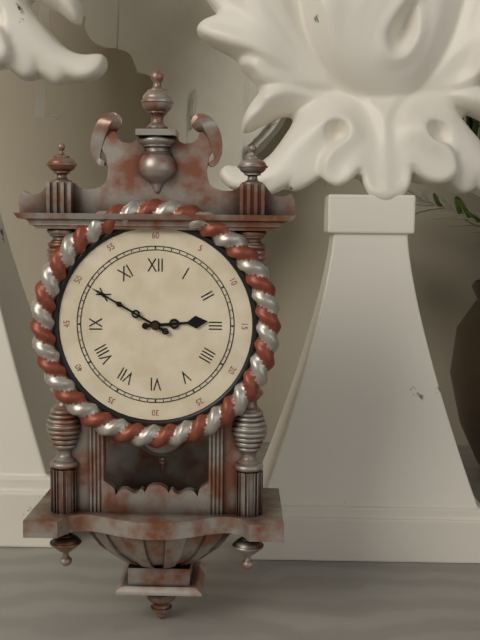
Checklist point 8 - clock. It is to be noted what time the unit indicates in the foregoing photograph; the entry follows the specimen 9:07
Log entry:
2:50
